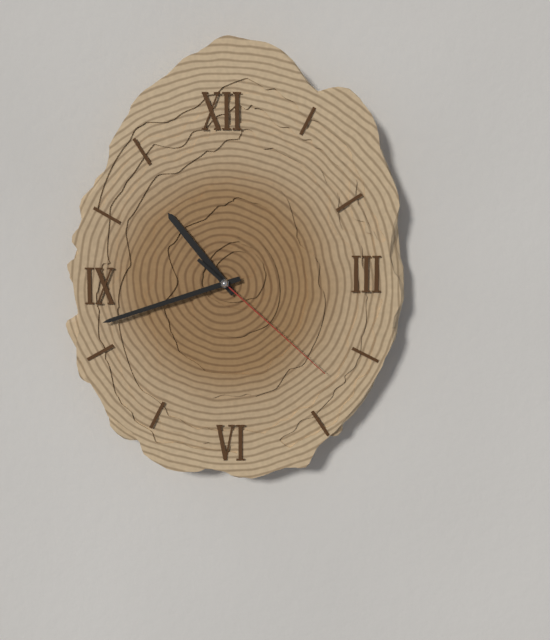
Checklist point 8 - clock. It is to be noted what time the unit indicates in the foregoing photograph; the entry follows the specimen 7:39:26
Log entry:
10:42:22
